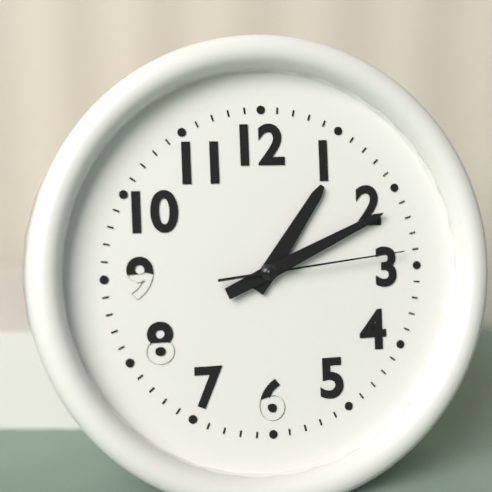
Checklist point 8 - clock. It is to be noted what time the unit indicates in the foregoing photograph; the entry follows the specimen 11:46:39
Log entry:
1:11:14
